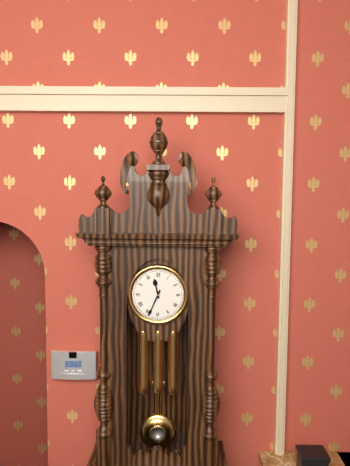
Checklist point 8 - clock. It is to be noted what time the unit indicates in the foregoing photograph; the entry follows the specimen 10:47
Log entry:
11:34
